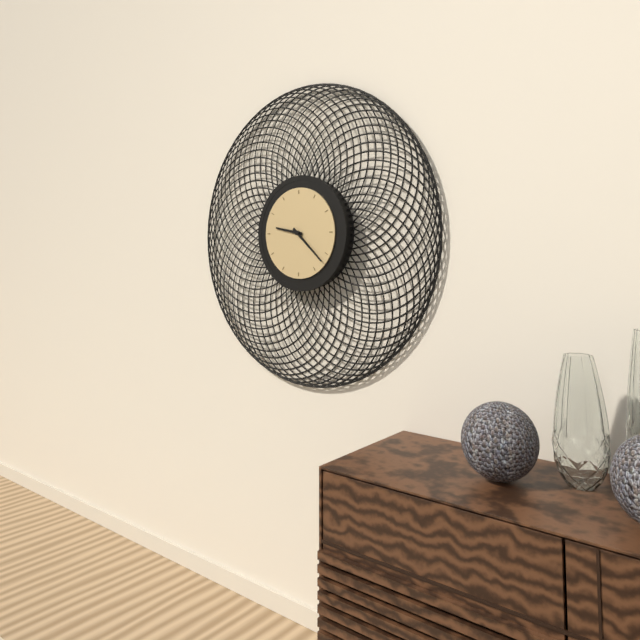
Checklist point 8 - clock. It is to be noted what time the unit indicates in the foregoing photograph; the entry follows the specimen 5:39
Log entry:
9:22
